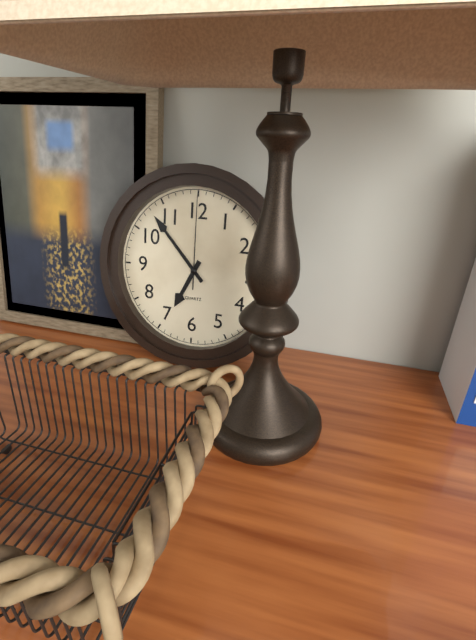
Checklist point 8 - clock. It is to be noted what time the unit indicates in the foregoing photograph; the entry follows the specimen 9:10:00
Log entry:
6:53:00
